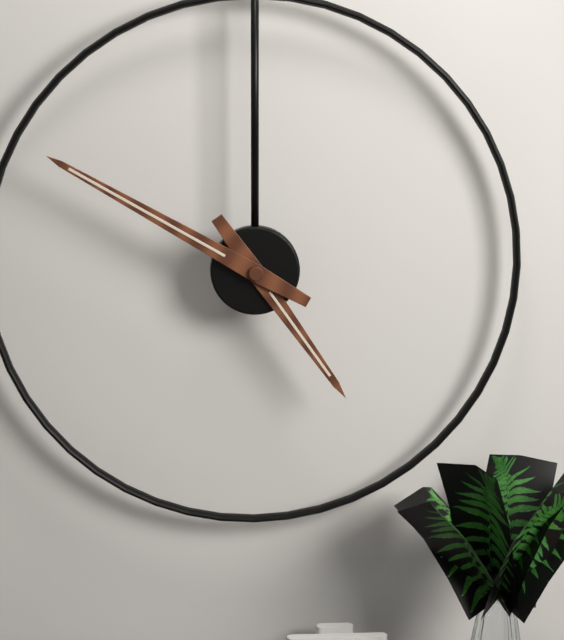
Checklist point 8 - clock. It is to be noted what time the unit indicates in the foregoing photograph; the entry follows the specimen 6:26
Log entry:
4:50
